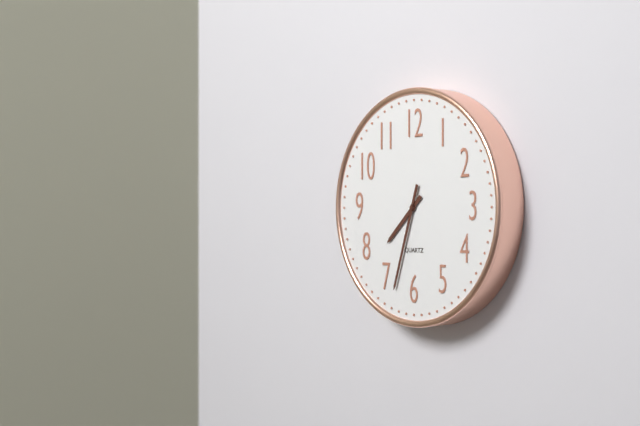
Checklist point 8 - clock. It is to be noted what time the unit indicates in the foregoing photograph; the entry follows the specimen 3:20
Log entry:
7:33
